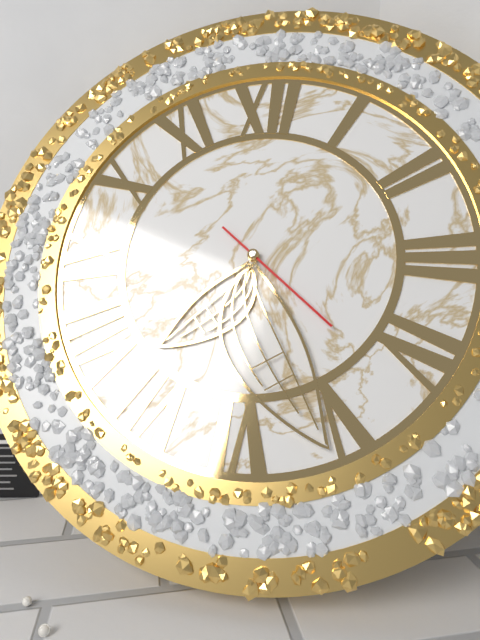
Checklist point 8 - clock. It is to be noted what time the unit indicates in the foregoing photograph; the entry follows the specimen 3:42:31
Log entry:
7:26:22
